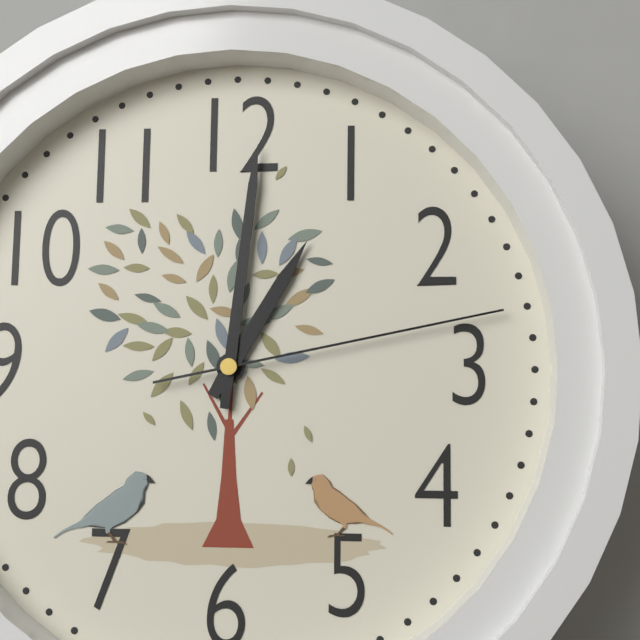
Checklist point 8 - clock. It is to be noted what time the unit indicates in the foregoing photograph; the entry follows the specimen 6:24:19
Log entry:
1:01:13
